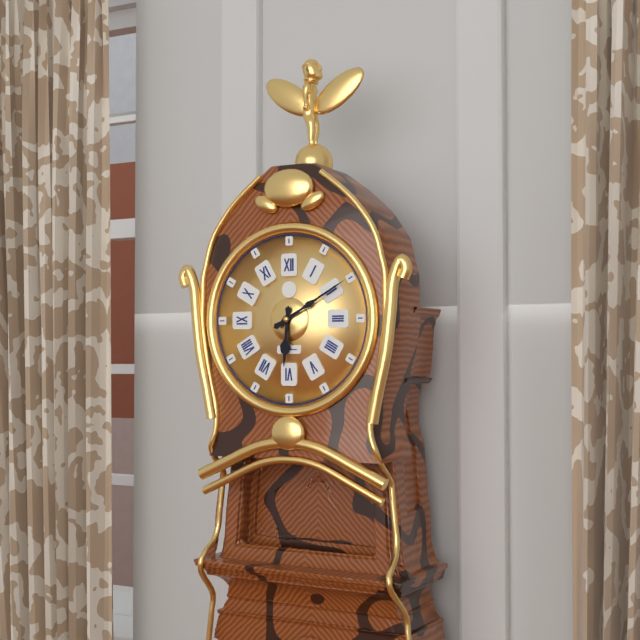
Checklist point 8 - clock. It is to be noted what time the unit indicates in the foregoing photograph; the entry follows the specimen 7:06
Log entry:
6:10
